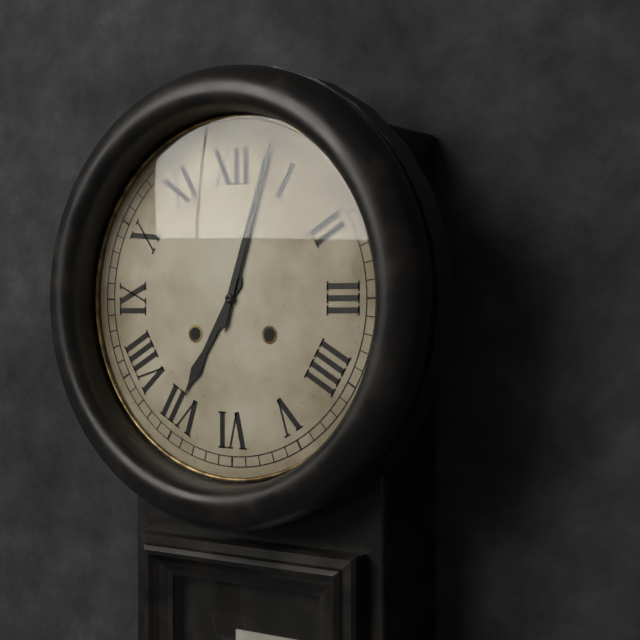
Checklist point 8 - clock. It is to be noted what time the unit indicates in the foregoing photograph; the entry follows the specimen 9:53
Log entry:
7:03
